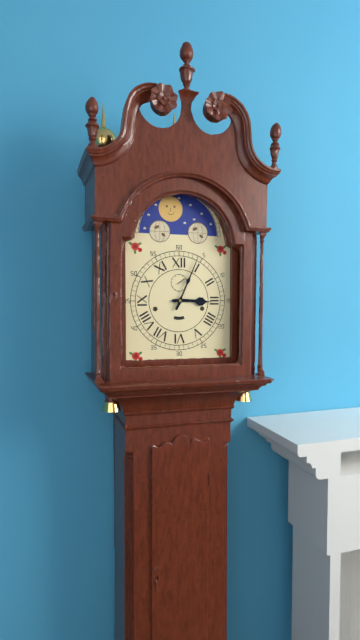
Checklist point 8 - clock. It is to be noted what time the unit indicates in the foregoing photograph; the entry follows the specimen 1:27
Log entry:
3:04
